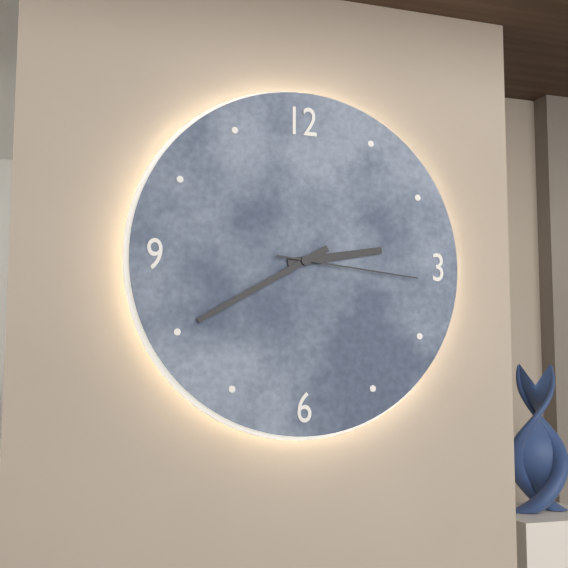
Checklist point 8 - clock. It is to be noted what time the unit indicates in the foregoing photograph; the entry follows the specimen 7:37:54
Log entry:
2:40:16
